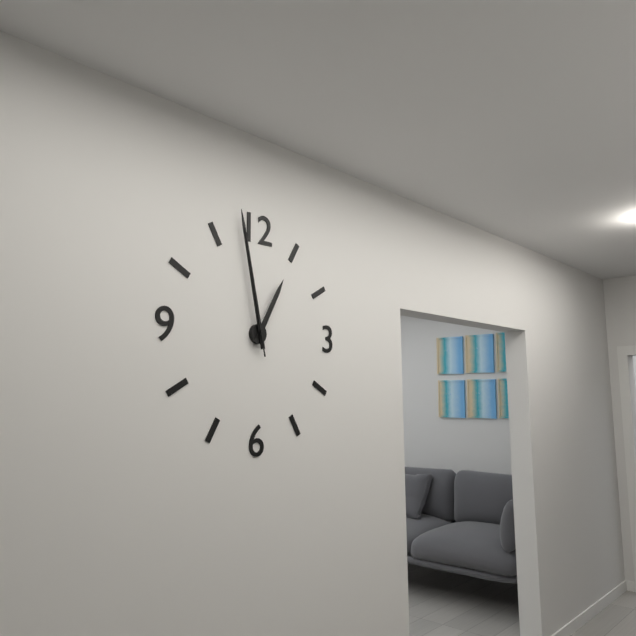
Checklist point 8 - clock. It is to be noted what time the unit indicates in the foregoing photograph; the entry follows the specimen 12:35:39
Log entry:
12:58:58
